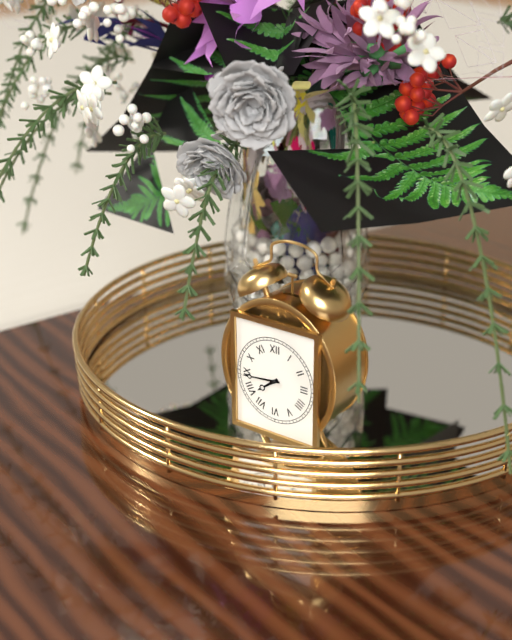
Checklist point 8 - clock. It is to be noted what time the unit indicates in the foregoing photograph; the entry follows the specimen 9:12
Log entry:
7:44
